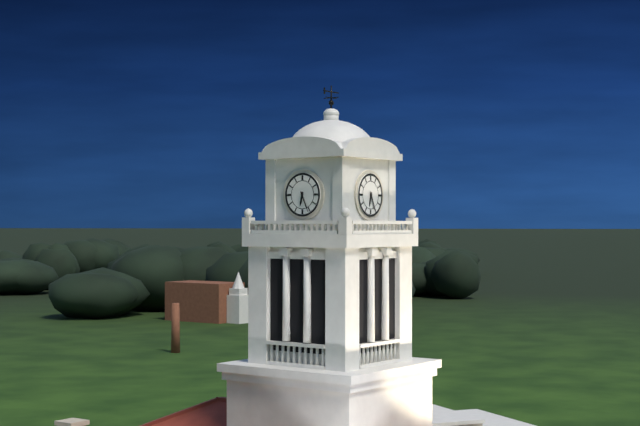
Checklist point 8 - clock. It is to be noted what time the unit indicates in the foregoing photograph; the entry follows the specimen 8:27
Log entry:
6:26
